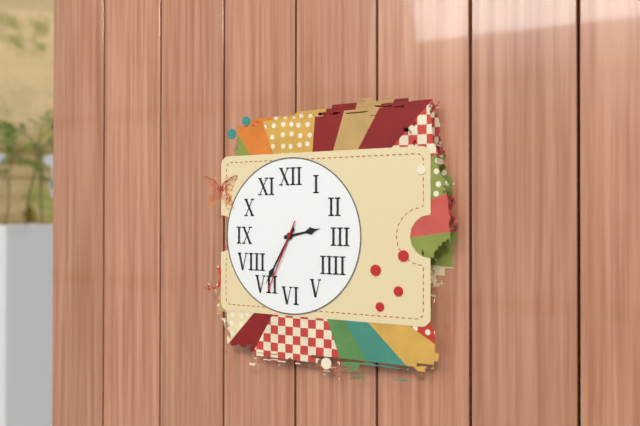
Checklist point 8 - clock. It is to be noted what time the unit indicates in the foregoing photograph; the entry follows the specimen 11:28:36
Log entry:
2:35:34
